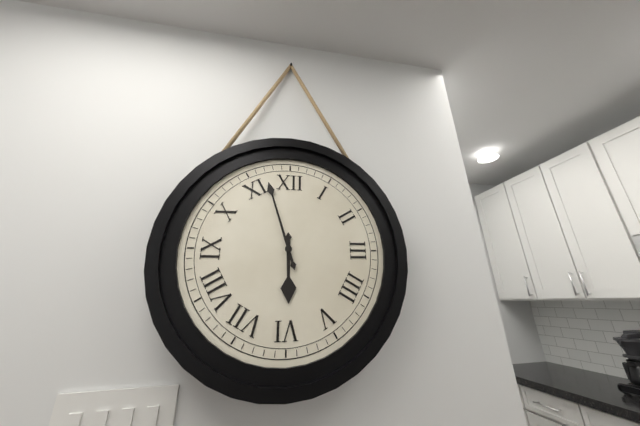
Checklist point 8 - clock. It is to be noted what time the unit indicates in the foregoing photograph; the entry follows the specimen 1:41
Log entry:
5:57
